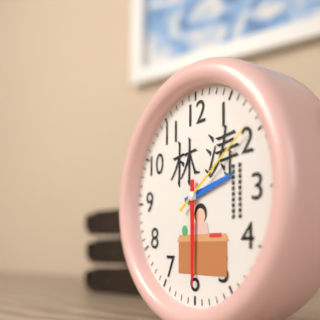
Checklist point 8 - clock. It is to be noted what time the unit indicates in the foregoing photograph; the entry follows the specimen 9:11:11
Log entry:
2:30:09
